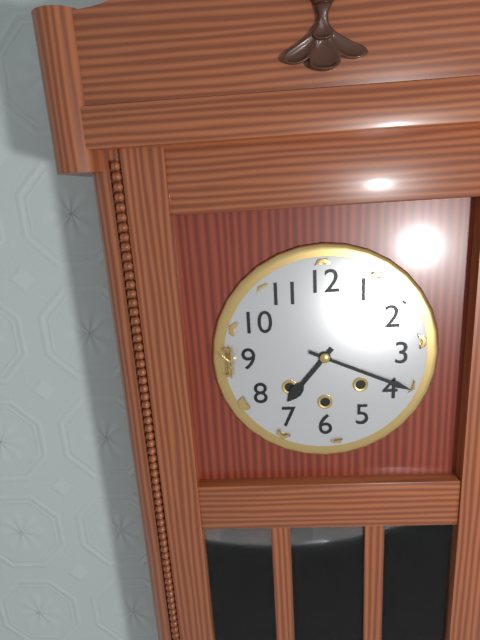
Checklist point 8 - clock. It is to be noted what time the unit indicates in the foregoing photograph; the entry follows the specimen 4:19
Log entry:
7:19
